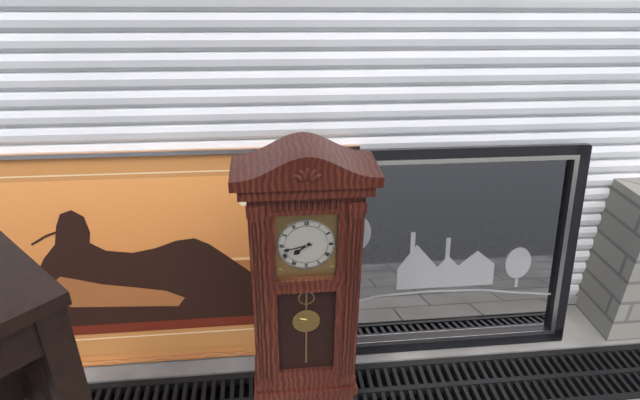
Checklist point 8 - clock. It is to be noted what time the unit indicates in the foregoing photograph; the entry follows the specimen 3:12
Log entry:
7:43
